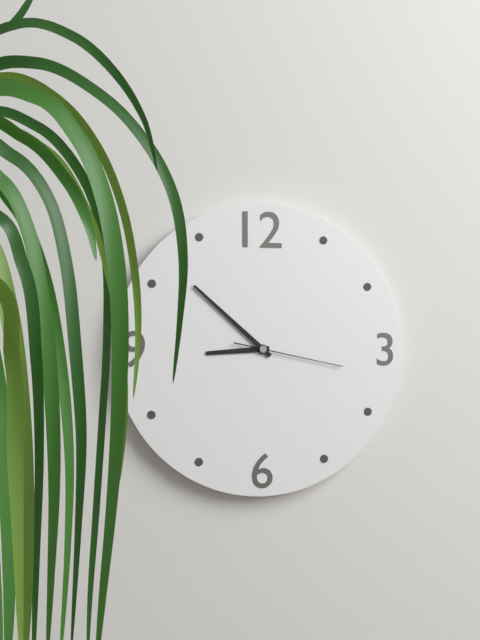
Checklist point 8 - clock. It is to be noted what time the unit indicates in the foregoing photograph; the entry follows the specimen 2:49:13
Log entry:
8:52:17
